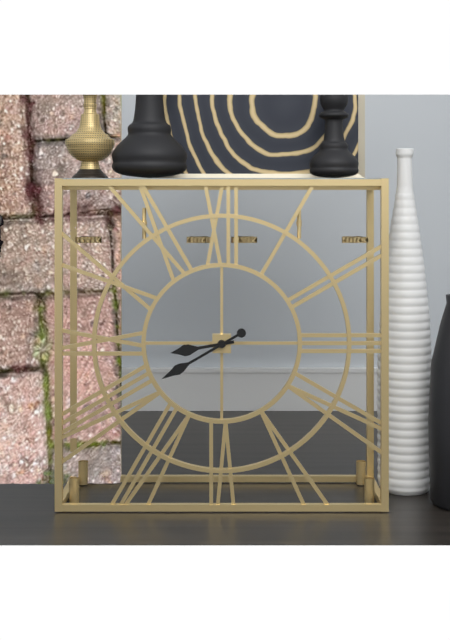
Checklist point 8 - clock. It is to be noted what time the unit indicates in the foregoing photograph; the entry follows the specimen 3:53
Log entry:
8:40
